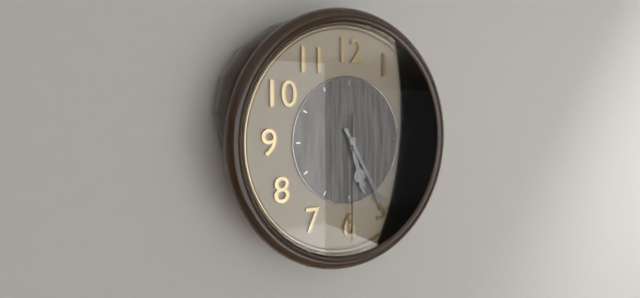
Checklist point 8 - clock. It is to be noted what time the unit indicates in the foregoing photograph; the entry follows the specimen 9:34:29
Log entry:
5:25:30
